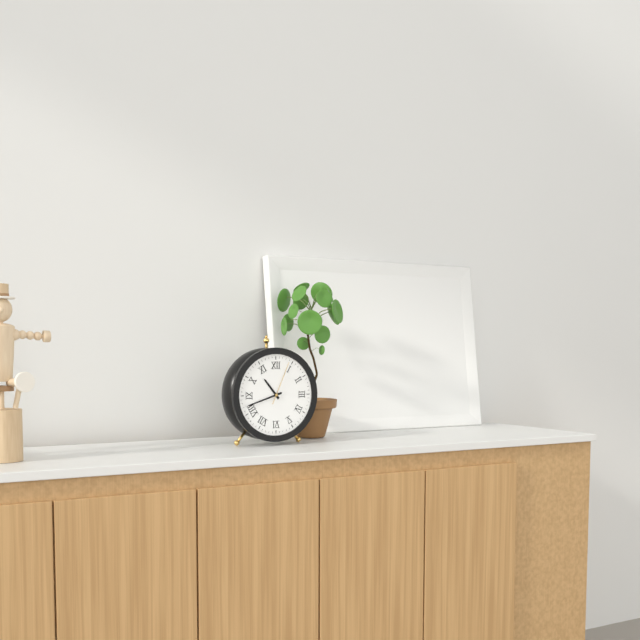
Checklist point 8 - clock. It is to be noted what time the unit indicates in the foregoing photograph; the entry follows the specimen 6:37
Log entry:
10:42
